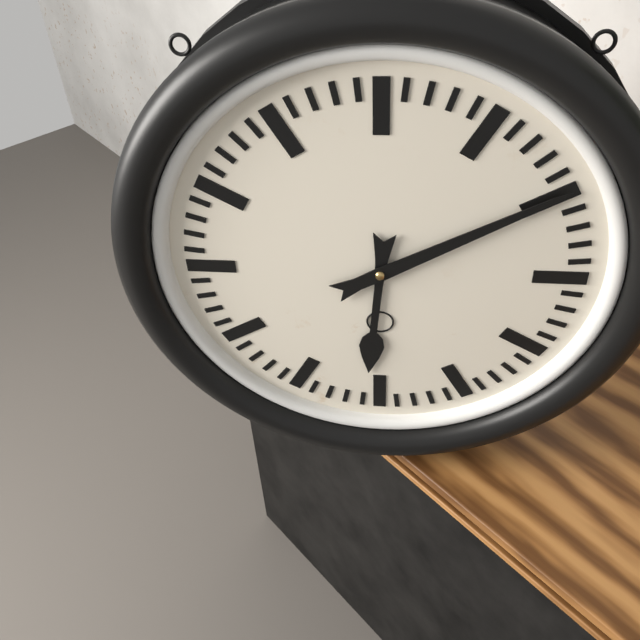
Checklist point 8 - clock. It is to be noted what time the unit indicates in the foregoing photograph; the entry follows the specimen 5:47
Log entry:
6:10
